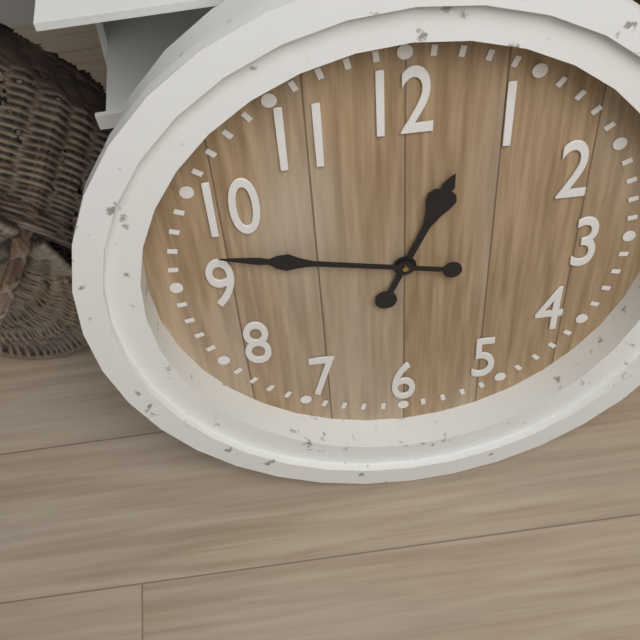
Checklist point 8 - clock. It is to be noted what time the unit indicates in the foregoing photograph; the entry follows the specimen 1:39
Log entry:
12:47
